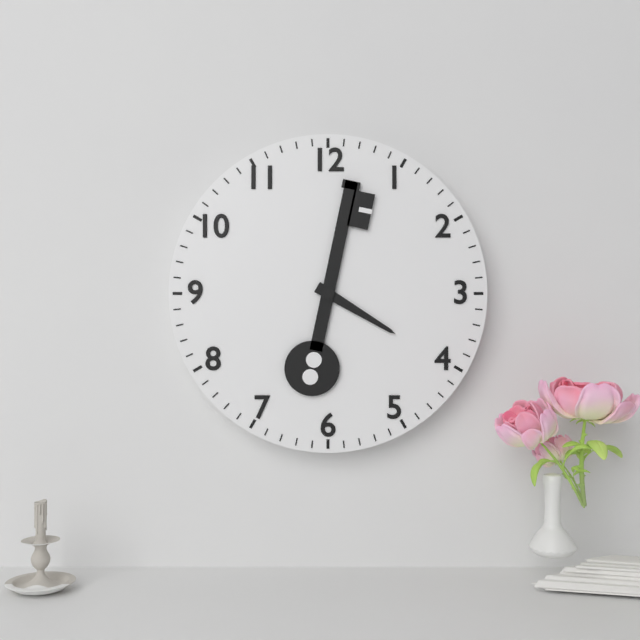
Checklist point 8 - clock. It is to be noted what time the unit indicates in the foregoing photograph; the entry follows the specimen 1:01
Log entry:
4:02
